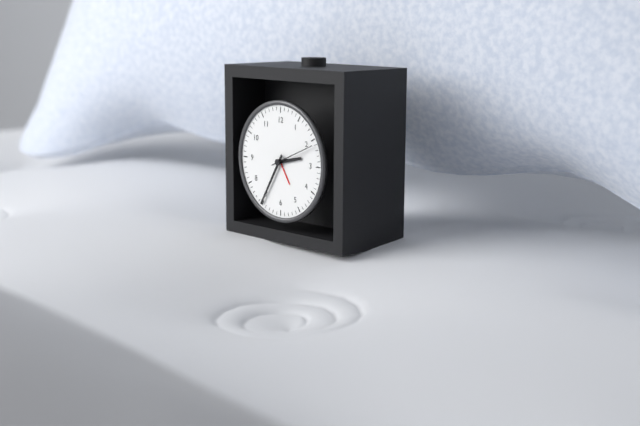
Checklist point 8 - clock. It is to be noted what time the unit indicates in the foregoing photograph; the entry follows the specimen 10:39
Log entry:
2:35
